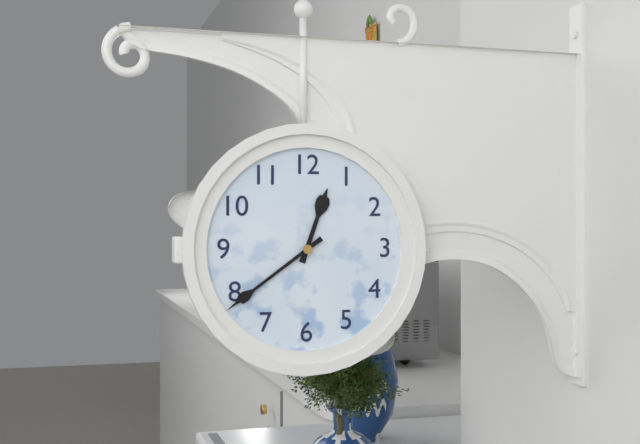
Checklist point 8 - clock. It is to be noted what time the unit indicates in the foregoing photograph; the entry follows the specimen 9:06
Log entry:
12:39
